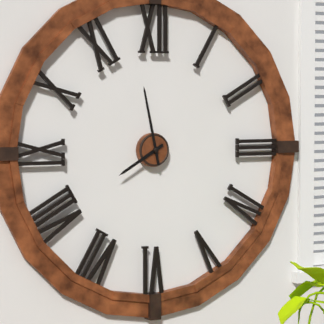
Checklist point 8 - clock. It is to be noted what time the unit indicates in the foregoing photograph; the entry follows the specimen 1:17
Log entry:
7:58
